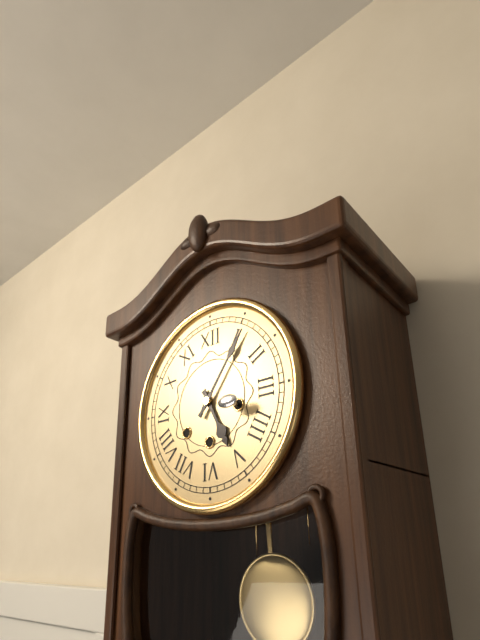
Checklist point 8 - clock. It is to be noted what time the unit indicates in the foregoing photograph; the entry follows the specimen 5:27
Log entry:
5:06
